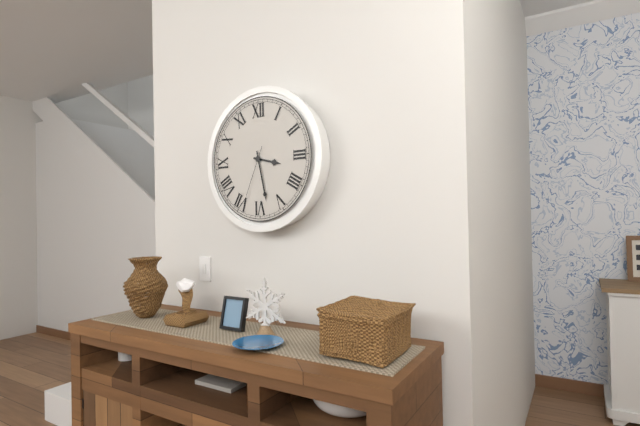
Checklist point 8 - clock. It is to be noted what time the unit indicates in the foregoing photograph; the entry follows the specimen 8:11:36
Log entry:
3:28:34
